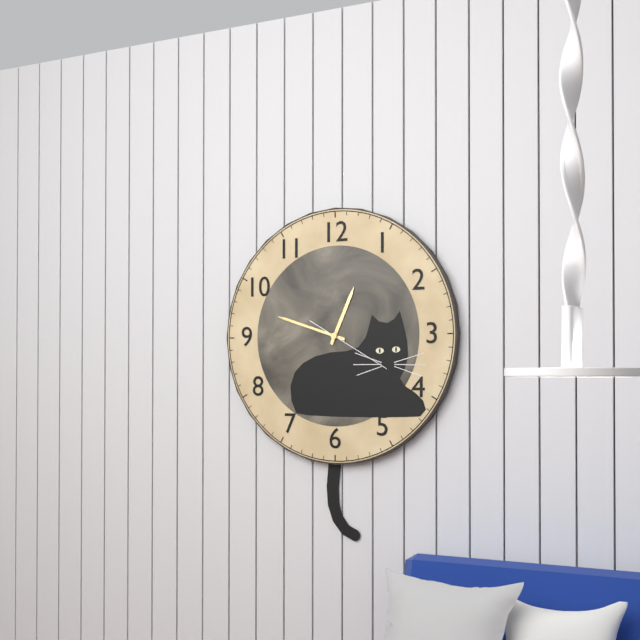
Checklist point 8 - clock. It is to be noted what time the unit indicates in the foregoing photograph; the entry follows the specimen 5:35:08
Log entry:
12:48:20
